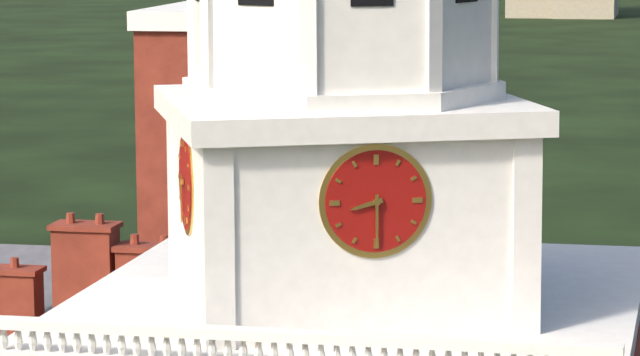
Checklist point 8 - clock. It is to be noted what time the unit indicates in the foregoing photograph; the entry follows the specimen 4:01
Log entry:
8:30
